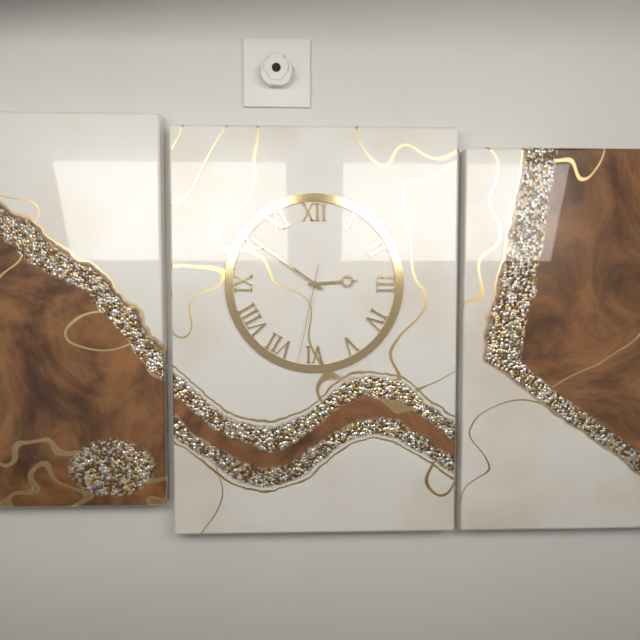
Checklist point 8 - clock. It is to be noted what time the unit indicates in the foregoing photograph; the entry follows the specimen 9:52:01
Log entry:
2:51:32
